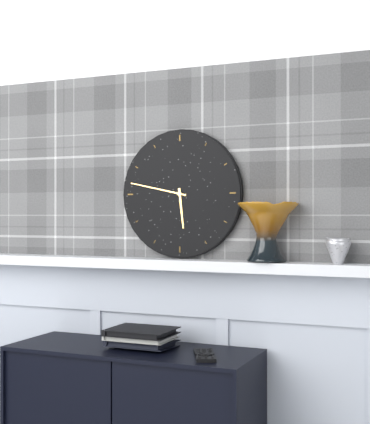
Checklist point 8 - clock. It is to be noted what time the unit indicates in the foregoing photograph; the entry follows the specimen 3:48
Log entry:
5:47
